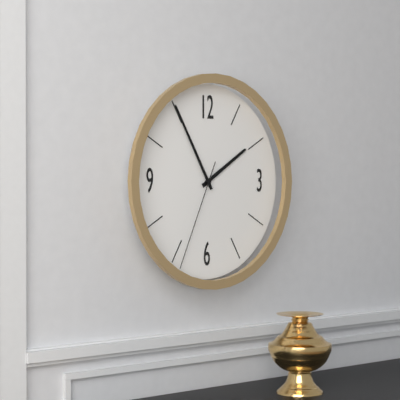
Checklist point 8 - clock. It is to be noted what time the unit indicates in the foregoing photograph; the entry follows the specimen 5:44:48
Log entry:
1:55:34
